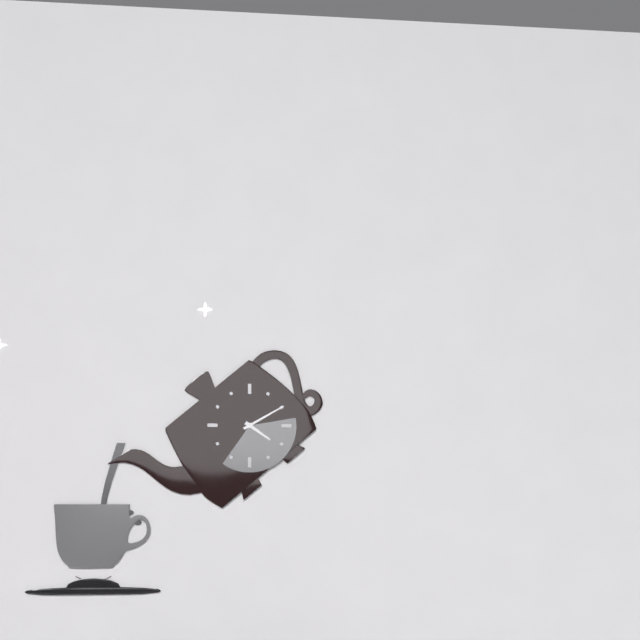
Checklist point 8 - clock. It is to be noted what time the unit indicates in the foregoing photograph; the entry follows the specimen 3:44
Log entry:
4:10
